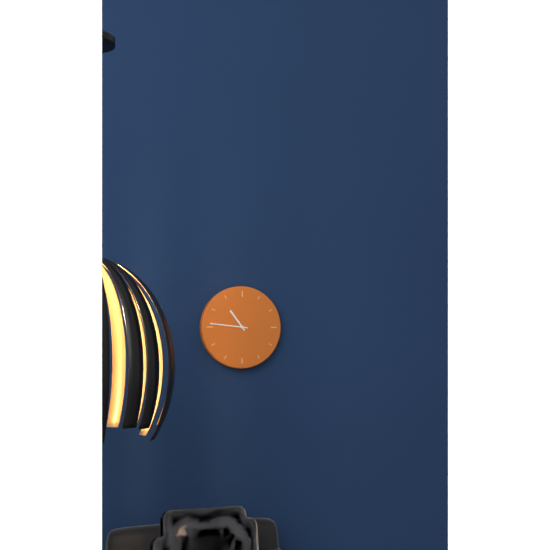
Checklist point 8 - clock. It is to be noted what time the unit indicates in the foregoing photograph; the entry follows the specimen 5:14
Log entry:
10:46
